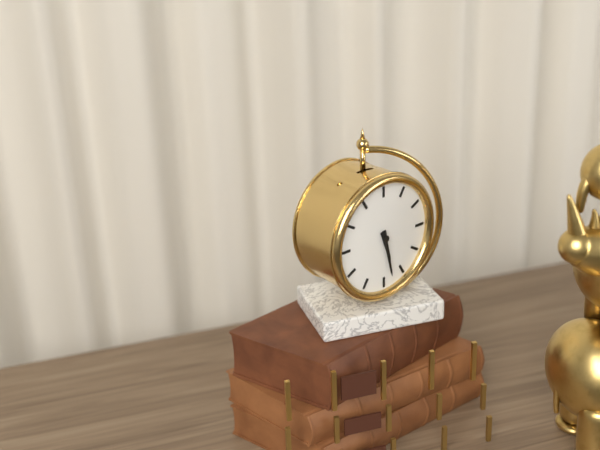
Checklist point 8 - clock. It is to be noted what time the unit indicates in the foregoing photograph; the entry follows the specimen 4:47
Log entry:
5:28
